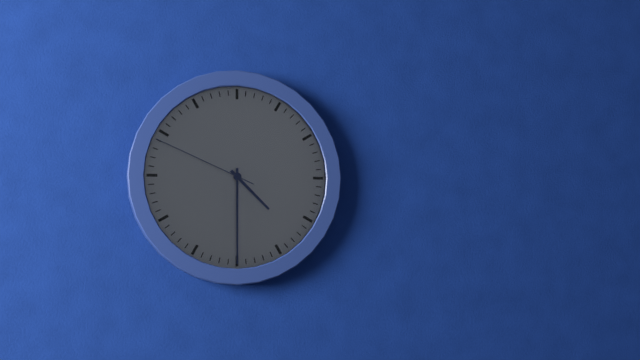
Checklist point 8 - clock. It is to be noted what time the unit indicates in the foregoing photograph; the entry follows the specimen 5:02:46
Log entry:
4:30:49
